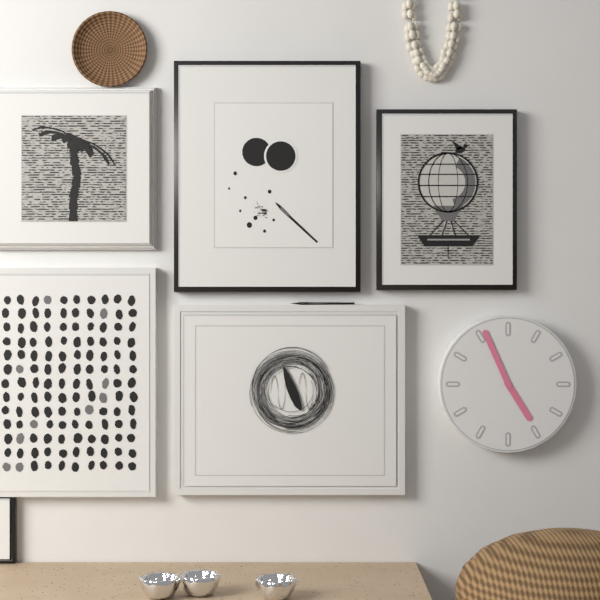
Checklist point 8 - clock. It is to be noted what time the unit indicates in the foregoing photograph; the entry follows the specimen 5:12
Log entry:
4:56
